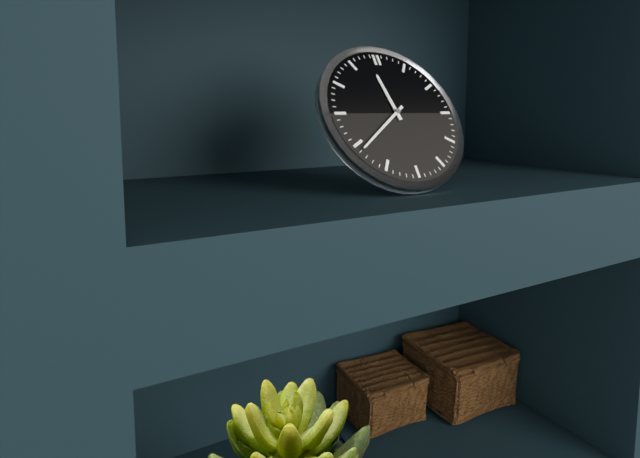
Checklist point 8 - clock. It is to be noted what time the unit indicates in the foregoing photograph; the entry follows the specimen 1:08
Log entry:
11:39
